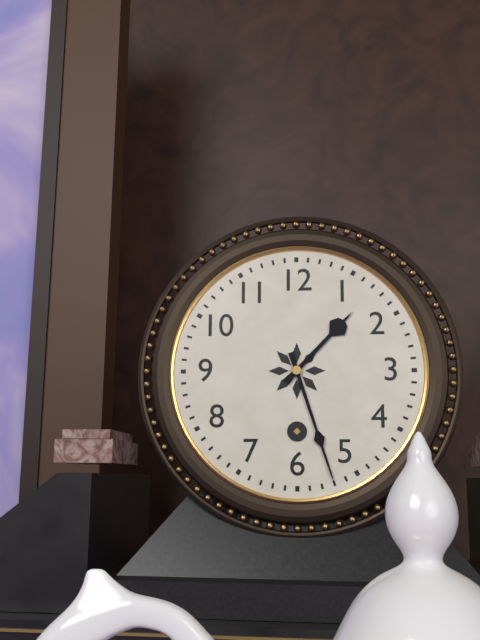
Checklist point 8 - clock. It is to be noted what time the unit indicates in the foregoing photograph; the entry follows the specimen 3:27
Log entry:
1:27
